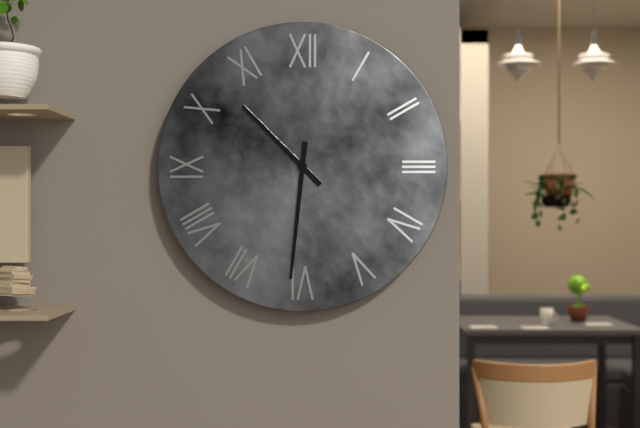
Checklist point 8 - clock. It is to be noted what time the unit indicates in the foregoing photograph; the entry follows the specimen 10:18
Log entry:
10:31
